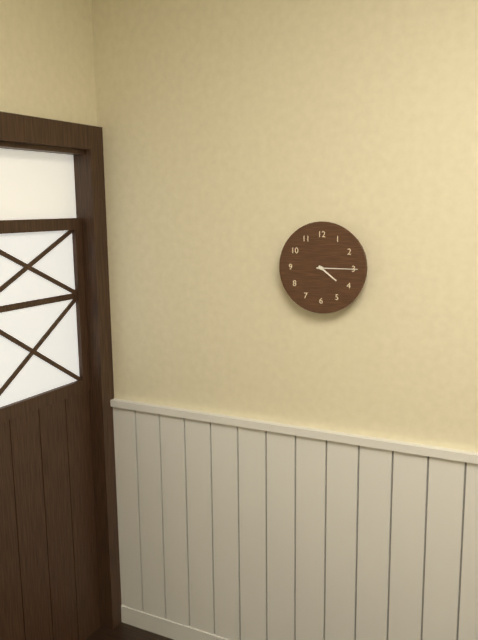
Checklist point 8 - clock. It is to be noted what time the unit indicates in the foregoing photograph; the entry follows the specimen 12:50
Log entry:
4:15
